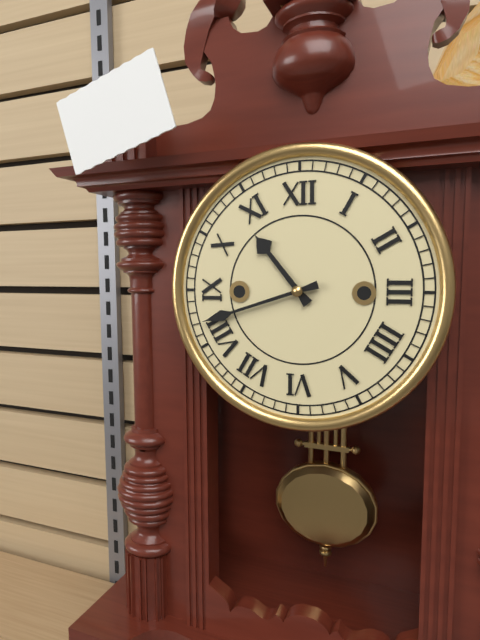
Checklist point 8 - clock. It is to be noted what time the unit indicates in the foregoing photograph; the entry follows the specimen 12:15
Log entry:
10:42
